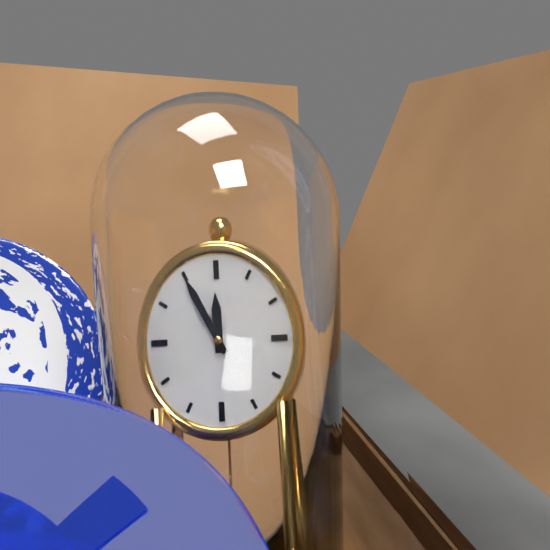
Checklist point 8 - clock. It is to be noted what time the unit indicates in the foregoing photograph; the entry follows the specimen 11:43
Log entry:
11:55
